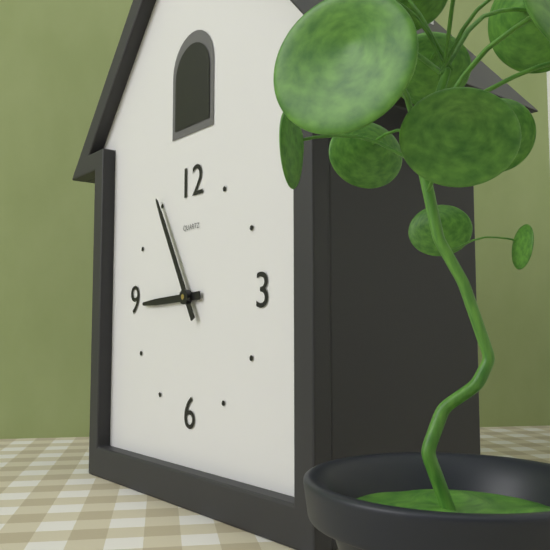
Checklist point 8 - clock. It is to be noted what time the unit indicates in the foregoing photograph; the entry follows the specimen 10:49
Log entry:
8:55
